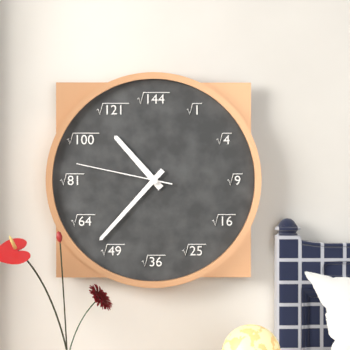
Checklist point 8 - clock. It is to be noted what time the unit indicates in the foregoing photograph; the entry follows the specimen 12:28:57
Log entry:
10:37:47
